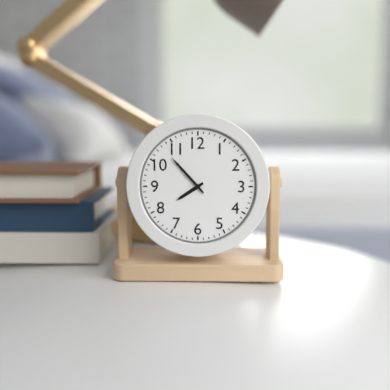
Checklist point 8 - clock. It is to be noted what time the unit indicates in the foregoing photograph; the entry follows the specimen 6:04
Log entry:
7:53
